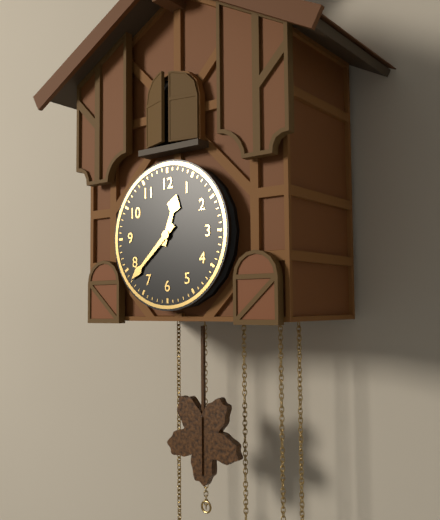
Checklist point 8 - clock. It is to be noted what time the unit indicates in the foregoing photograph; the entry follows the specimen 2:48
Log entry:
12:38
